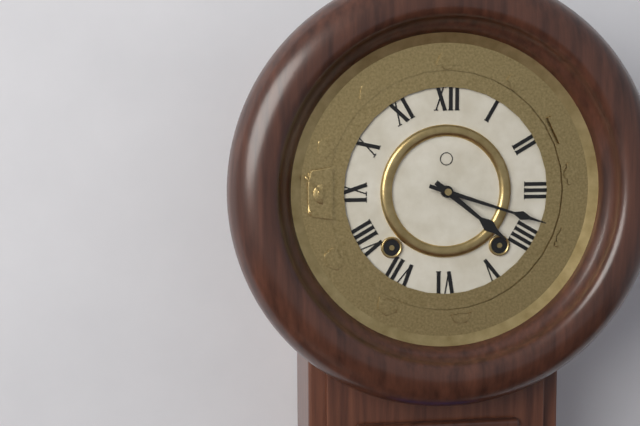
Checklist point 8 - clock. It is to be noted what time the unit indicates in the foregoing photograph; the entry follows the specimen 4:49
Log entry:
4:18
